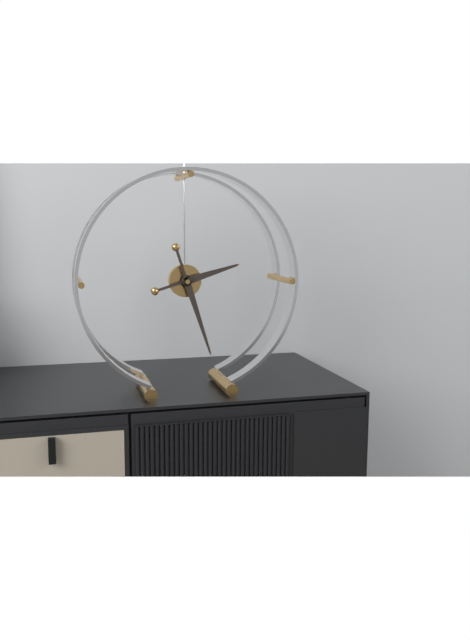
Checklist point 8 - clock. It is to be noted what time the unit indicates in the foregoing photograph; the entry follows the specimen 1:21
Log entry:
2:27
